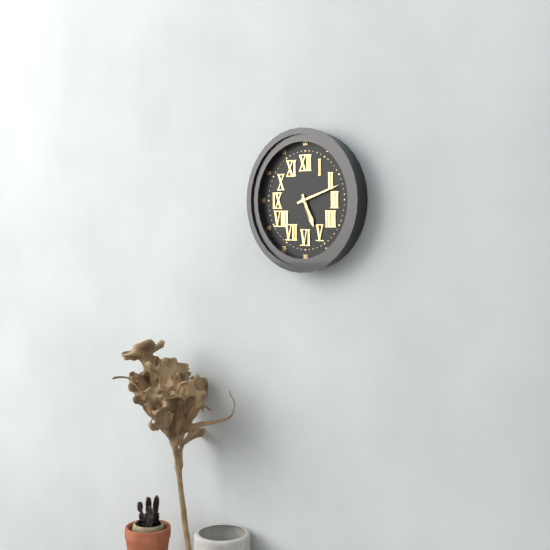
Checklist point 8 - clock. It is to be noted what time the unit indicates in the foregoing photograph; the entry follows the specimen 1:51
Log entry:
5:12
